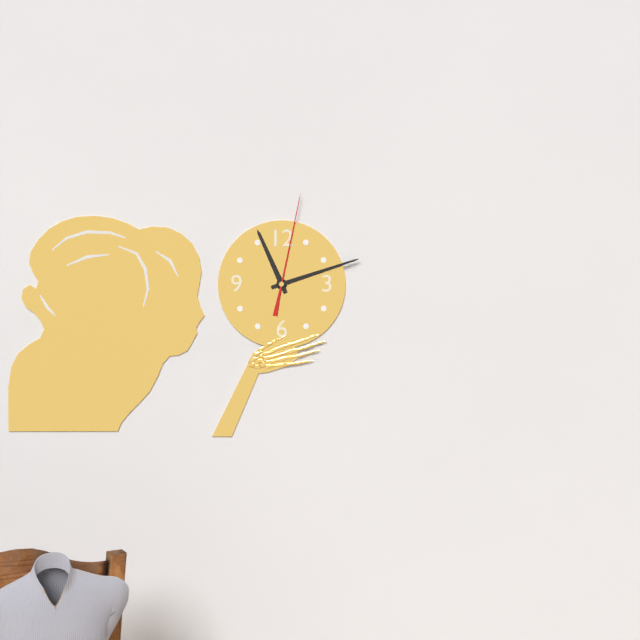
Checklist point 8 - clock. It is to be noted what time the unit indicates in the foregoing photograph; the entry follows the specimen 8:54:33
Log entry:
11:12:02
